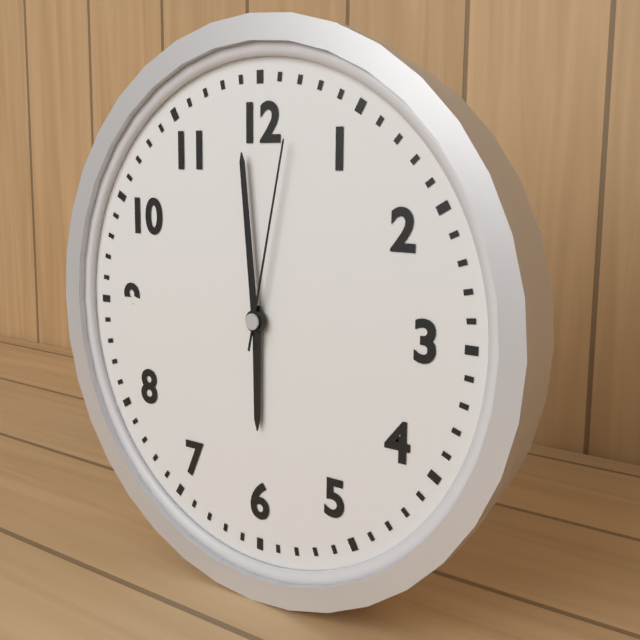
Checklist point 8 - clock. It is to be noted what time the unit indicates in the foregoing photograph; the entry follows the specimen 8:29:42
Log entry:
5:59:02
